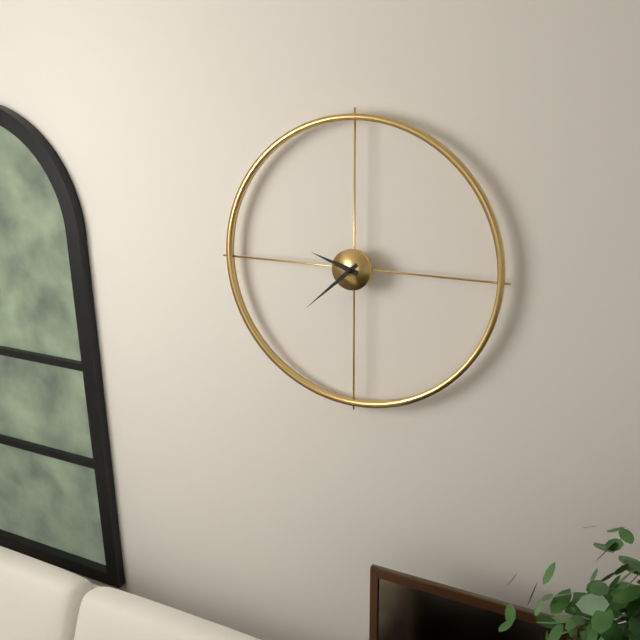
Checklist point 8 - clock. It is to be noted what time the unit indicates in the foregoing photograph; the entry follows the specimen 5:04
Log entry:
9:38
